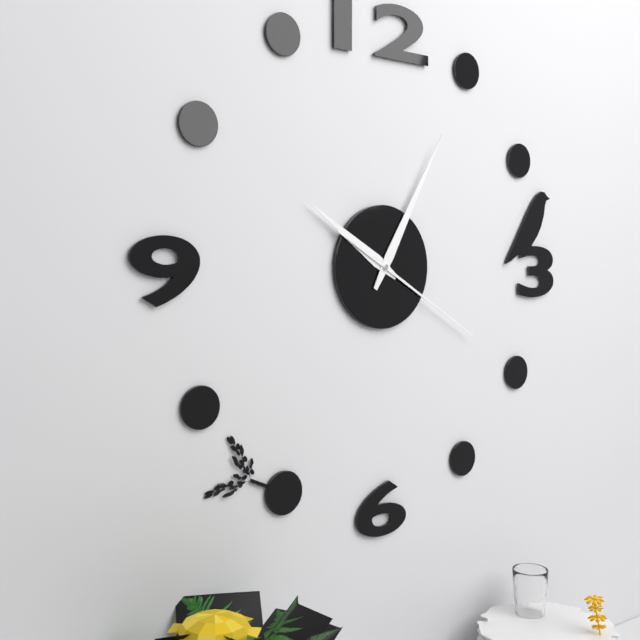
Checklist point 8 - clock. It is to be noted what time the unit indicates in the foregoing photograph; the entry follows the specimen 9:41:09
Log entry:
10:05:20
